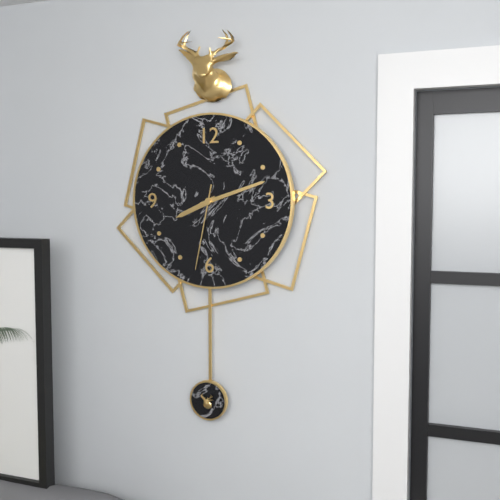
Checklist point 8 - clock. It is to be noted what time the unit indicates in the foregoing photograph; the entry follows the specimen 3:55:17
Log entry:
8:12:32
